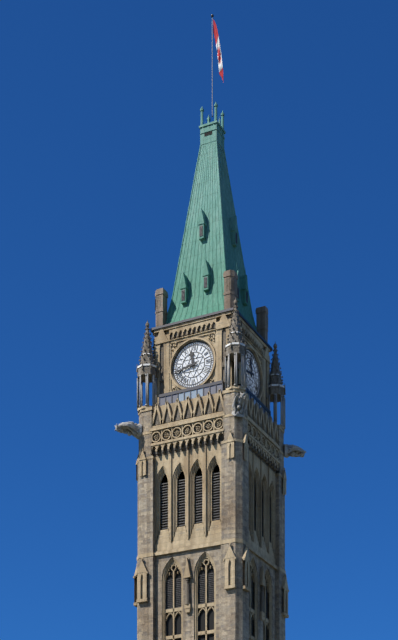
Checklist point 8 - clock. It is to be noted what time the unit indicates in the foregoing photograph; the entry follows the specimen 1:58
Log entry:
11:43
